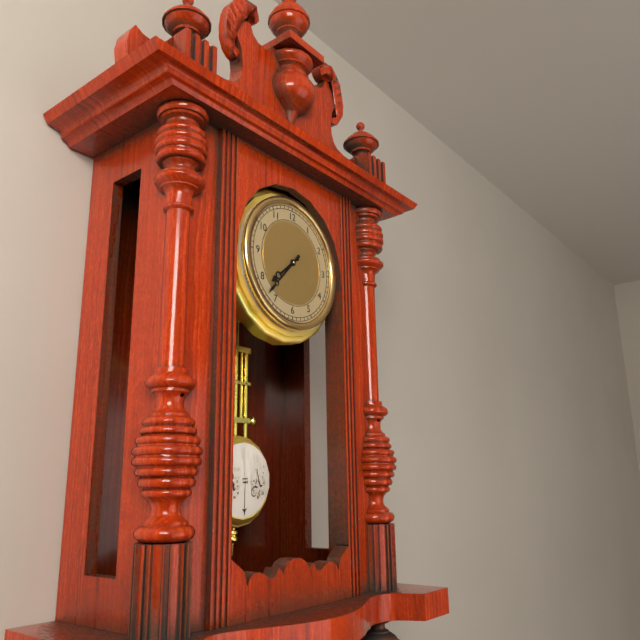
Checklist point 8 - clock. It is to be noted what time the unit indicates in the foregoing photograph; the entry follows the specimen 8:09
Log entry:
7:37
